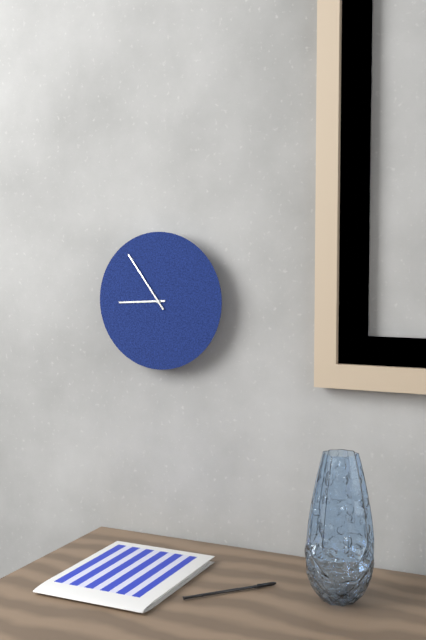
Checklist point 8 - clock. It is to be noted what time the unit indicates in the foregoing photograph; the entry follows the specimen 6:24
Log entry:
8:54
